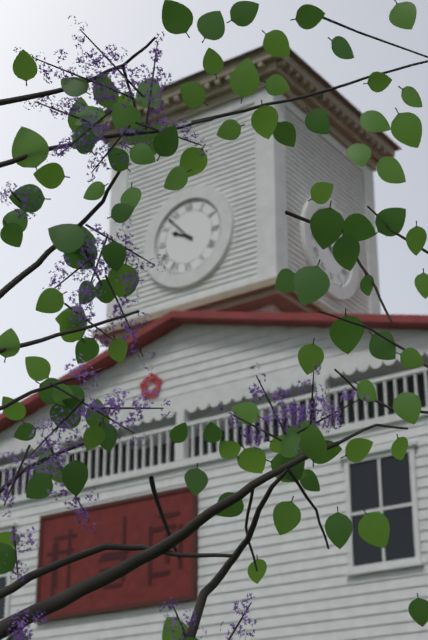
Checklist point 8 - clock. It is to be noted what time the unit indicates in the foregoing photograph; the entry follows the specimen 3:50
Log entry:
9:53
